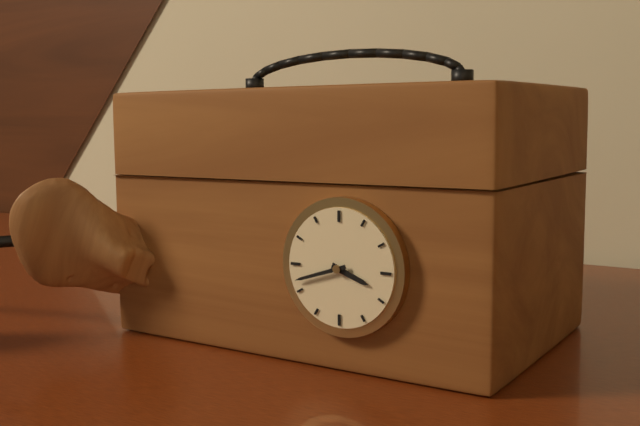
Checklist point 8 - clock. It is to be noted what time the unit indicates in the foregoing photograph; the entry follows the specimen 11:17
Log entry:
3:42
